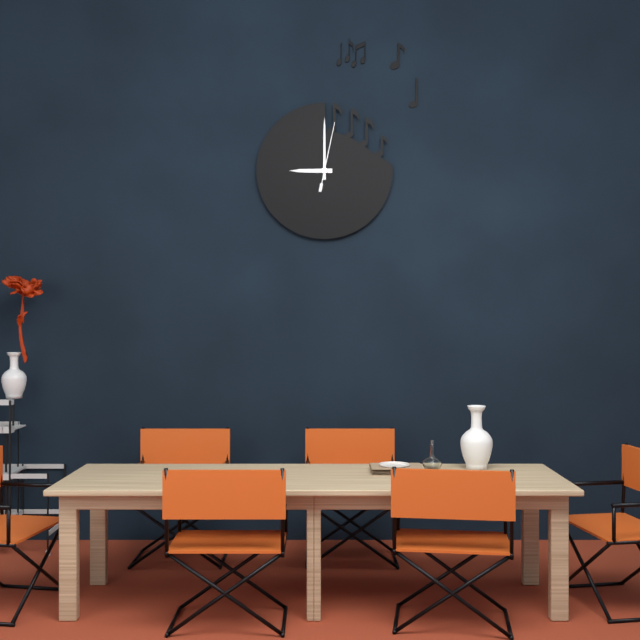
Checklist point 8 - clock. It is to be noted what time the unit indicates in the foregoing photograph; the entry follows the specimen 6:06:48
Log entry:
9:00:02
